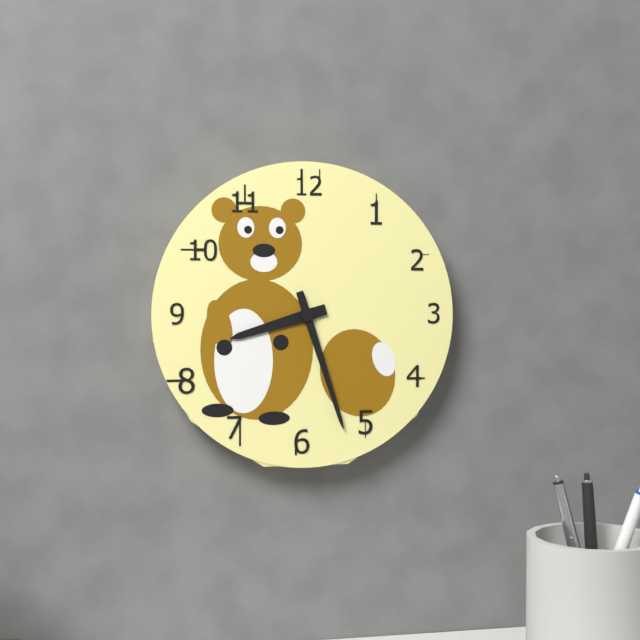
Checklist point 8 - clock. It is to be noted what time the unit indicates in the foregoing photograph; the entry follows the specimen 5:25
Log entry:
8:27
